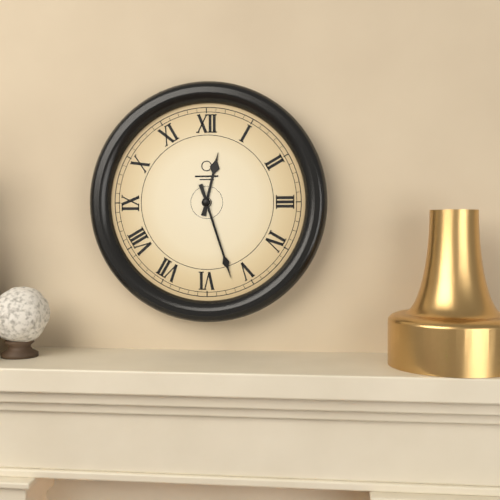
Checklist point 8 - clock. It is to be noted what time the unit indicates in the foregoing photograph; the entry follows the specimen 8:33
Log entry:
12:27
